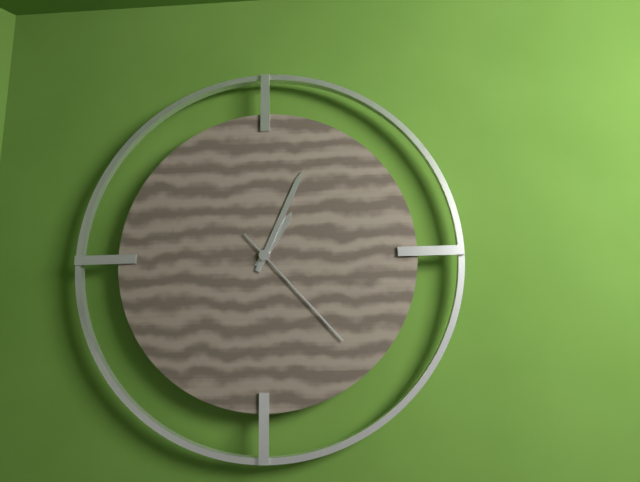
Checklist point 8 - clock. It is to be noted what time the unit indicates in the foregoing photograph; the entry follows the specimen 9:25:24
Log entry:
1:04:23
